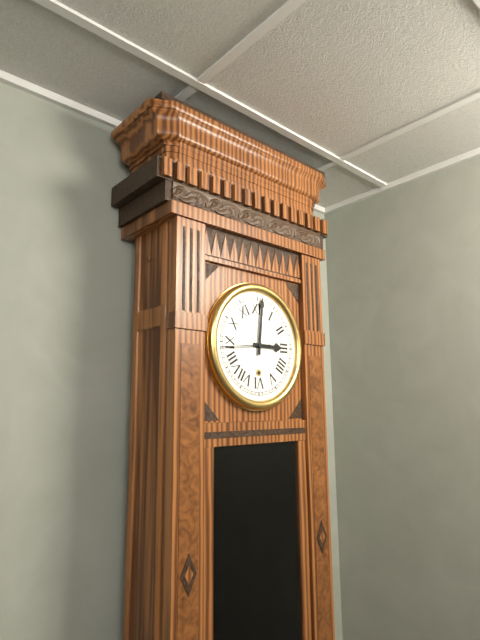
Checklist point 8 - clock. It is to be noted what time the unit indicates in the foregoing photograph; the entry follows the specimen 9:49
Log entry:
3:01
